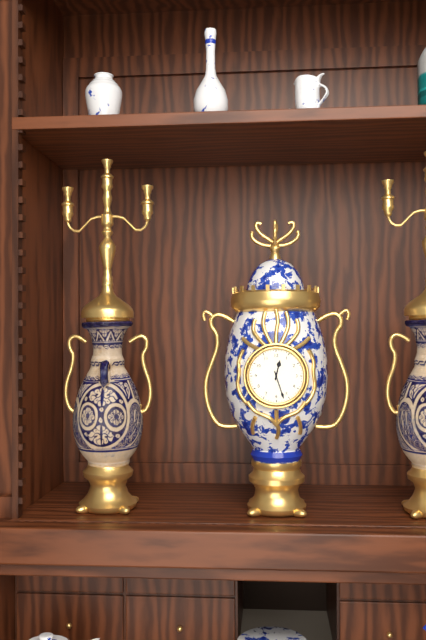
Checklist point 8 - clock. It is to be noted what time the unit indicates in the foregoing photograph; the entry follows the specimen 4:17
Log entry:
12:27
